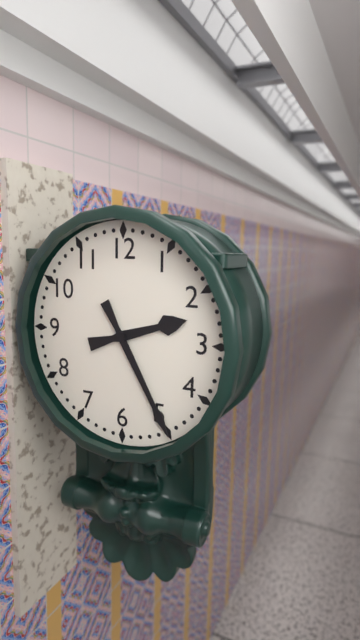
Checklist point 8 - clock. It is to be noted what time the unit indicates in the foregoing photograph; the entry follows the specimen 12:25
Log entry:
2:25
